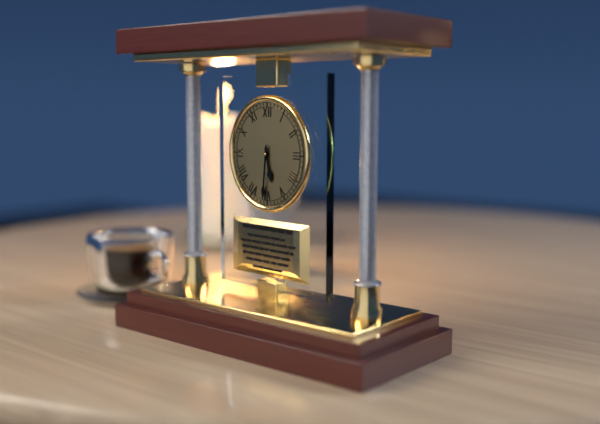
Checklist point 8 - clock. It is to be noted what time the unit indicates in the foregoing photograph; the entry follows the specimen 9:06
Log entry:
5:31
